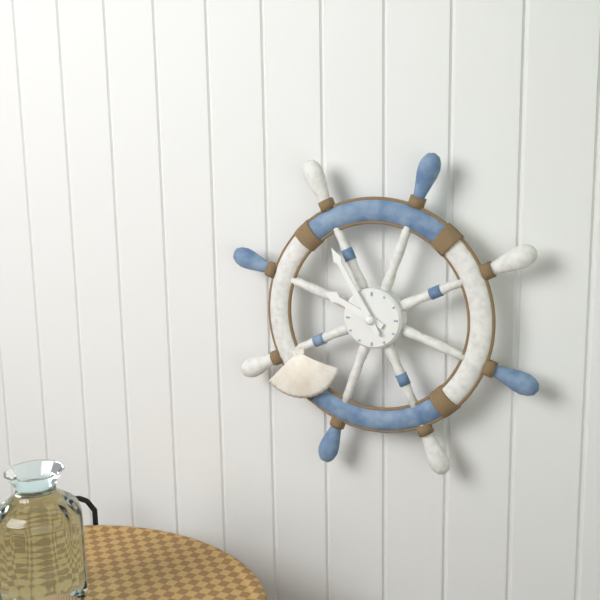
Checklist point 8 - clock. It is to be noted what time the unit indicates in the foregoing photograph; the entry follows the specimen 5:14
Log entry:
9:55
